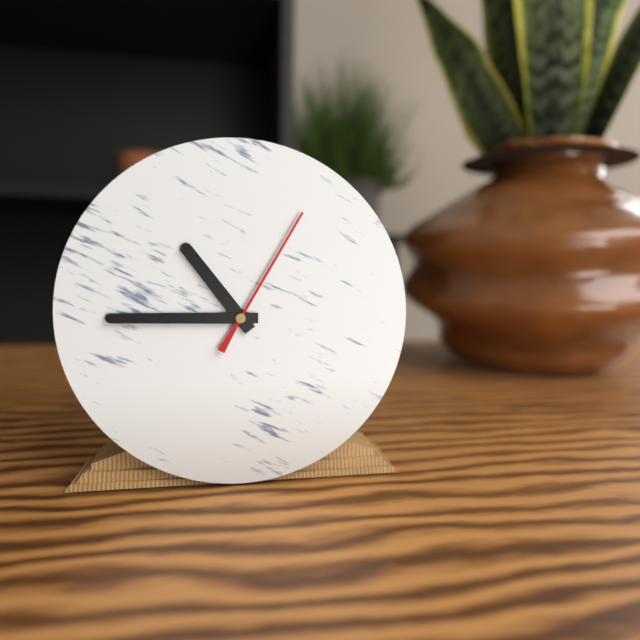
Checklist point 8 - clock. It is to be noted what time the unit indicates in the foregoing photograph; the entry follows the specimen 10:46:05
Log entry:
10:45:05
